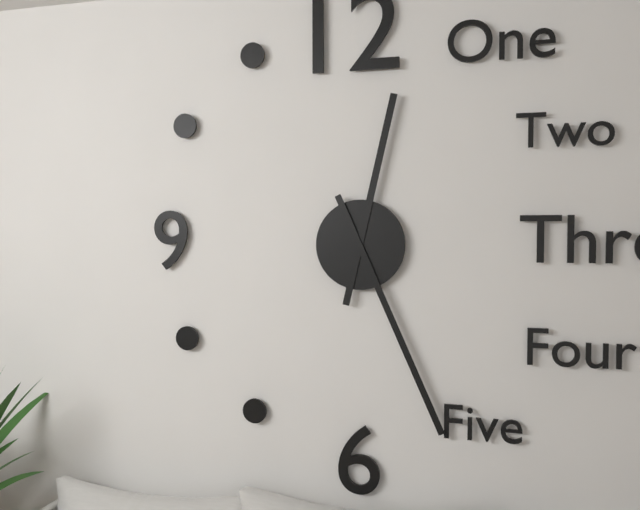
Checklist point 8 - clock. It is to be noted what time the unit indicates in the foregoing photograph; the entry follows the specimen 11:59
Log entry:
12:26
